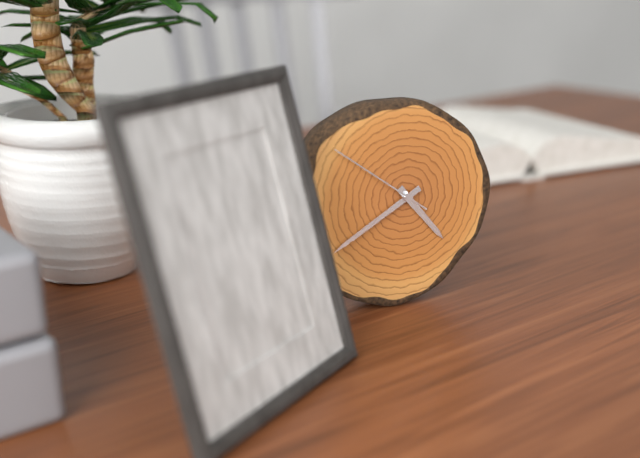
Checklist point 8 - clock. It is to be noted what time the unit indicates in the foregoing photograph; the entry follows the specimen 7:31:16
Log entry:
4:40:51
